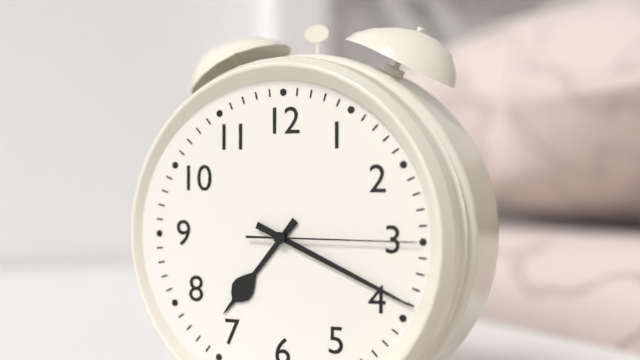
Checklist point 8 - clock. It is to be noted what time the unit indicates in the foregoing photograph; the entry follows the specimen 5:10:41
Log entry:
7:19:15
